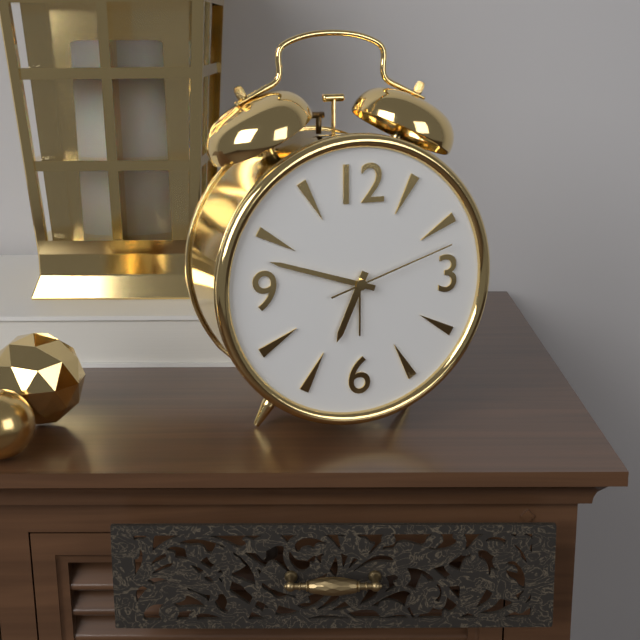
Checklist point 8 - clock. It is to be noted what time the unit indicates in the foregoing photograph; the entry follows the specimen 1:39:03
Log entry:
6:48:12
